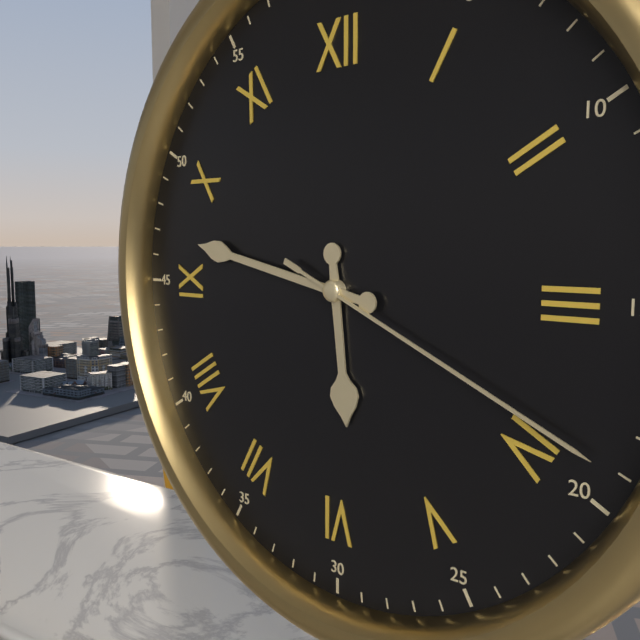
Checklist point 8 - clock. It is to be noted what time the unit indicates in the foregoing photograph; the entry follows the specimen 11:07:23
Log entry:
5:47:19
